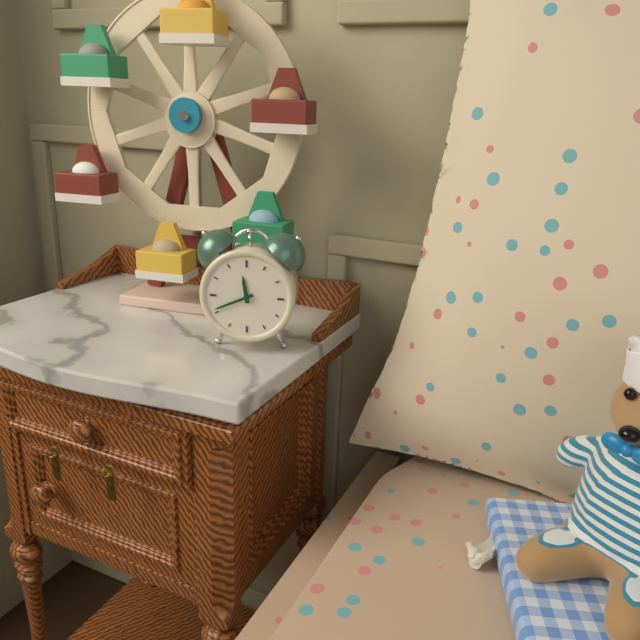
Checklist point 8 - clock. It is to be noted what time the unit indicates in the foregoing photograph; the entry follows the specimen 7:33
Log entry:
11:41
